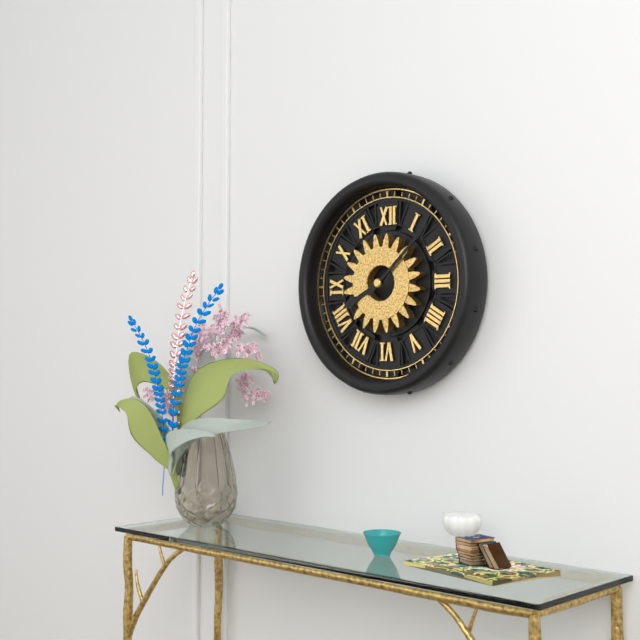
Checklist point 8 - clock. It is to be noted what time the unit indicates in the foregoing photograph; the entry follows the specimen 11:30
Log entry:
8:08
